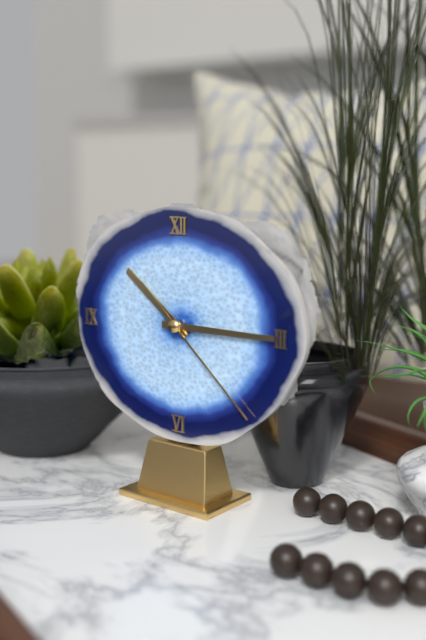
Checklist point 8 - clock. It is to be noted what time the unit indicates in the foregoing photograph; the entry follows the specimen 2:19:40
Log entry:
10:15:22
